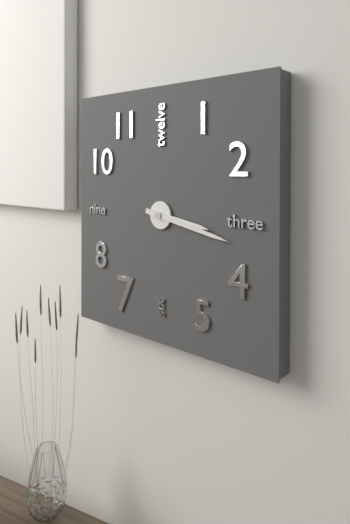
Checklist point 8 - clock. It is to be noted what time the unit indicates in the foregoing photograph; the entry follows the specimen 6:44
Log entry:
3:17
